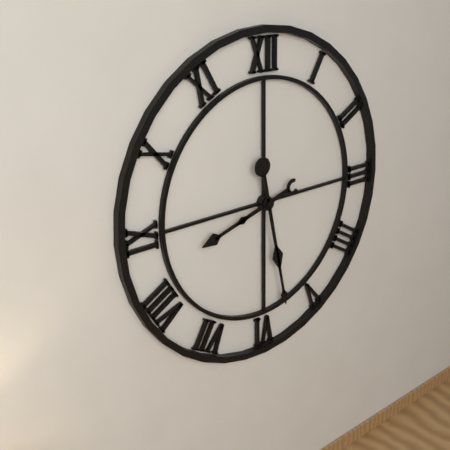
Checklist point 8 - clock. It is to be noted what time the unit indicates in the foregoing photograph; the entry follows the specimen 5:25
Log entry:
8:28
